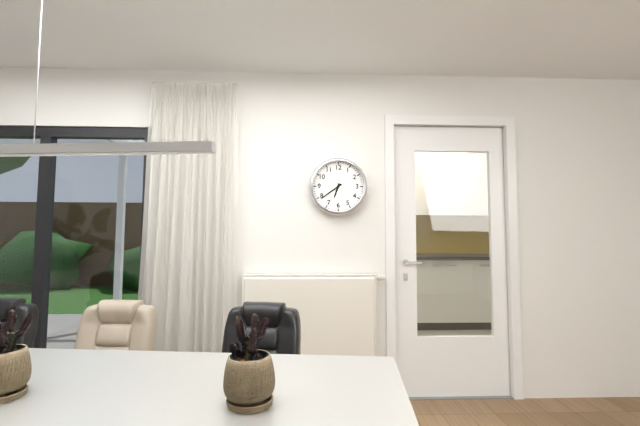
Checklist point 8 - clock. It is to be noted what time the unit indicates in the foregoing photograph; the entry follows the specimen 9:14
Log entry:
6:39
